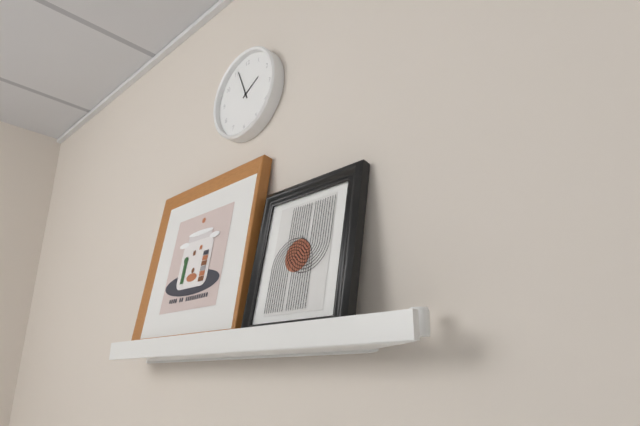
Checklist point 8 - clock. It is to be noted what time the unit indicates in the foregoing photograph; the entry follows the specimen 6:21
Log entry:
1:56
